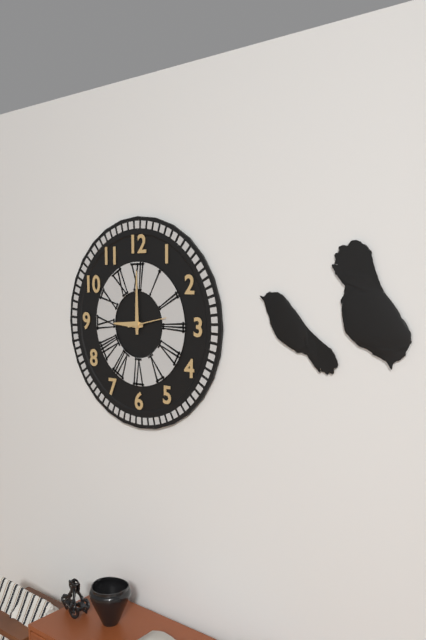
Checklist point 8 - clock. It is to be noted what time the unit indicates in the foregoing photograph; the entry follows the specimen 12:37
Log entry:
9:00
